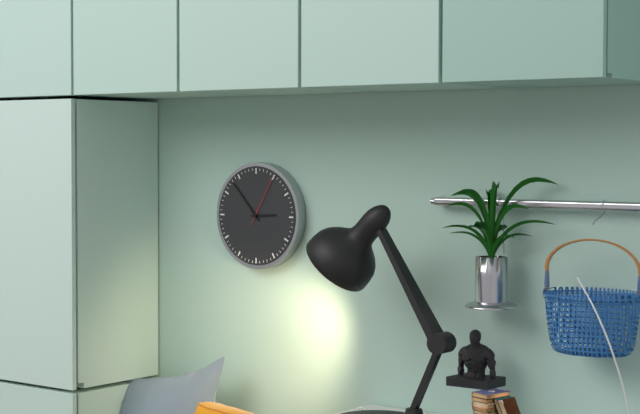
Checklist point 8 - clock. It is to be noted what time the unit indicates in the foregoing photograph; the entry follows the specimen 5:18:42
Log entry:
2:53:05
